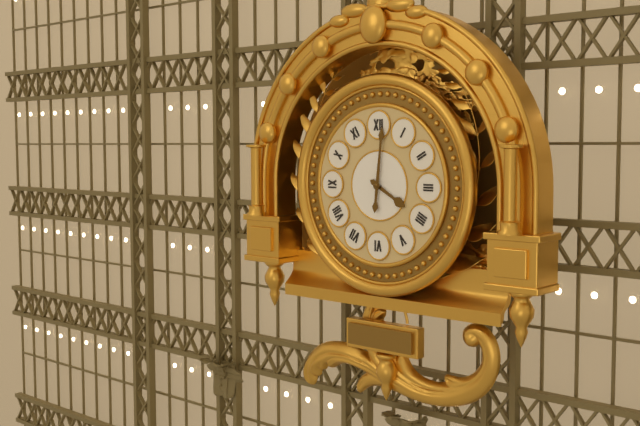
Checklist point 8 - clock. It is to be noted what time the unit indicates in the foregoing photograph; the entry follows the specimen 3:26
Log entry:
4:01
